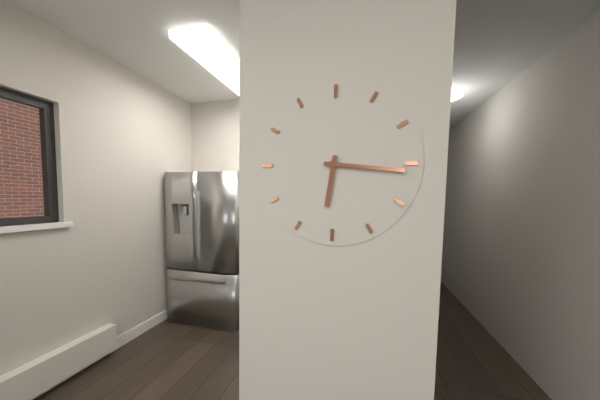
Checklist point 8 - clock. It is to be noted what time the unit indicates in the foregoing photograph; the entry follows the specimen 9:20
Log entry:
6:16
